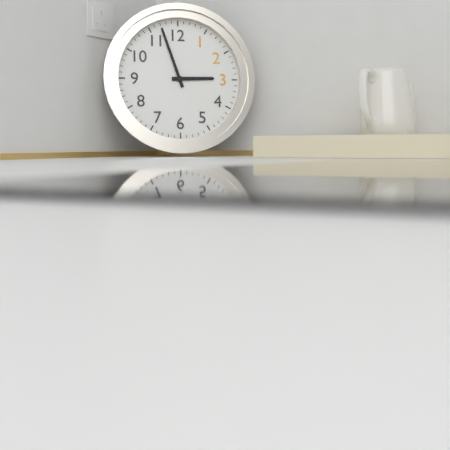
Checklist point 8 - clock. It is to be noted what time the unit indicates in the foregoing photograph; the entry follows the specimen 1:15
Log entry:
2:57
